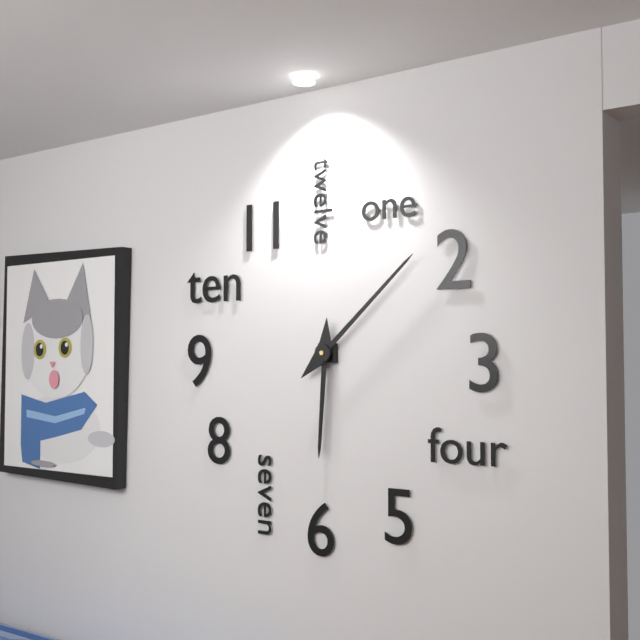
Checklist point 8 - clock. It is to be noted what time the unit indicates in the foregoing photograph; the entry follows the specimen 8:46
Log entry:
6:08
